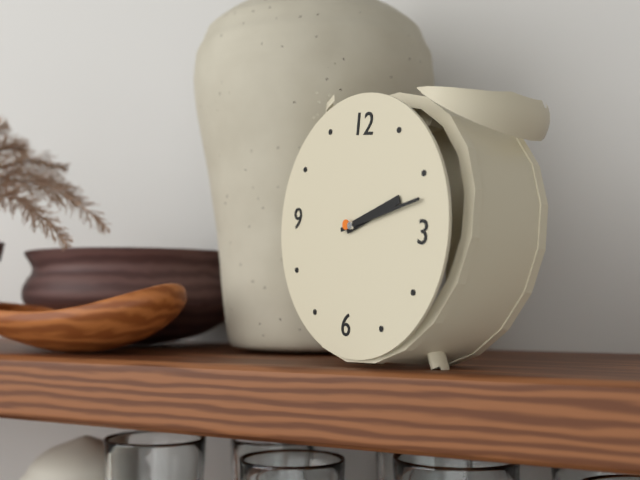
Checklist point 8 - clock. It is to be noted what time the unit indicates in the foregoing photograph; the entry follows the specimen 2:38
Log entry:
2:12
